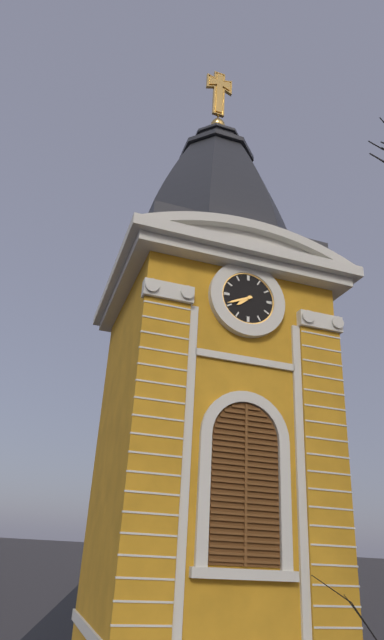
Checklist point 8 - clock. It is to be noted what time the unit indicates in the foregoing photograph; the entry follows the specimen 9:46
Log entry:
7:41
